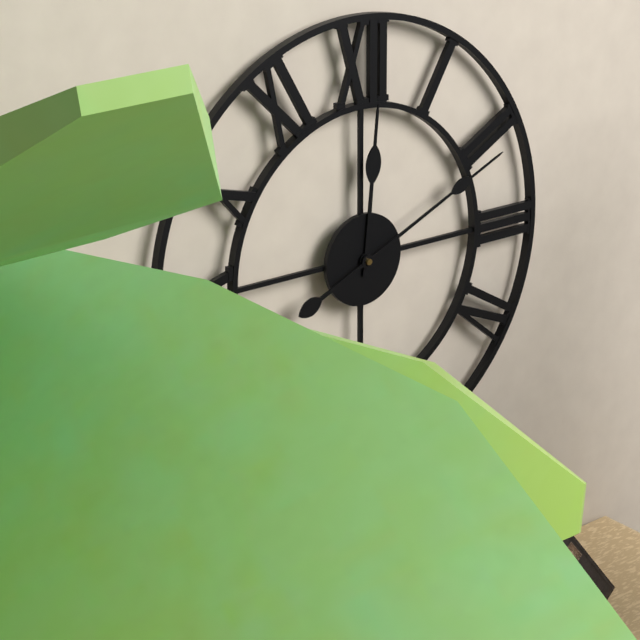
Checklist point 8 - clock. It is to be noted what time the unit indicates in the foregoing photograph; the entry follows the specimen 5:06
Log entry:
12:11
